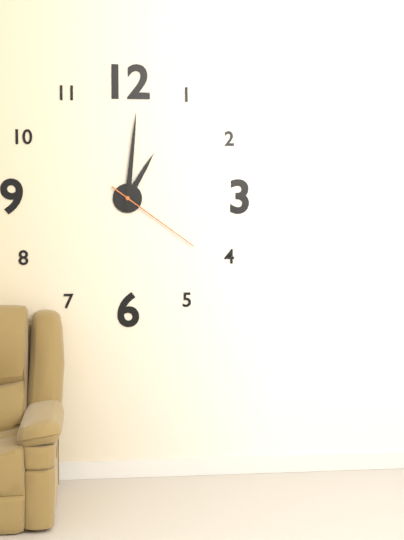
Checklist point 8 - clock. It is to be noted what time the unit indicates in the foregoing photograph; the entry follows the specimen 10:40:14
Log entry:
1:01:21
